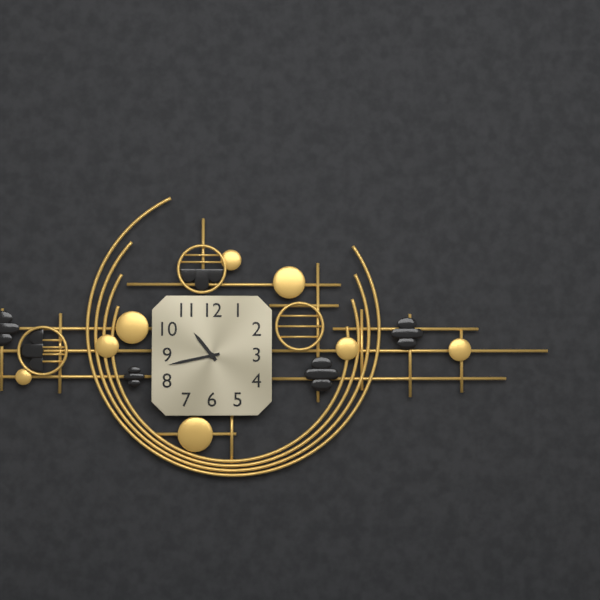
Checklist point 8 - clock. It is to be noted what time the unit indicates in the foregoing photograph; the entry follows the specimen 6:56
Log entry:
10:43
